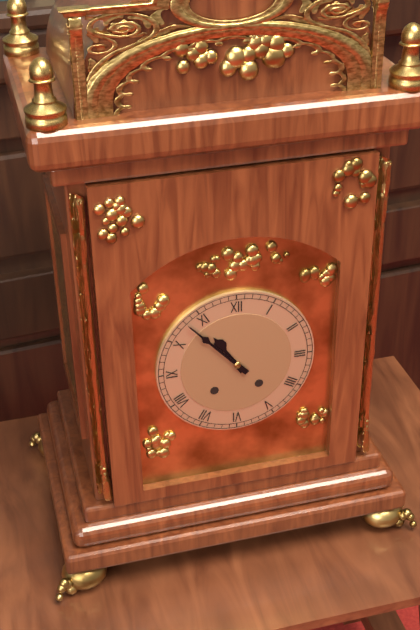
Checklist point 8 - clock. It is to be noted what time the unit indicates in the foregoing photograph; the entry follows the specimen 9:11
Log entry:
10:53
